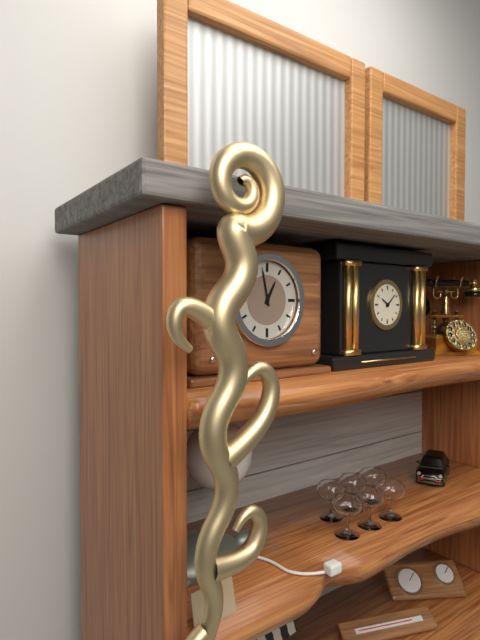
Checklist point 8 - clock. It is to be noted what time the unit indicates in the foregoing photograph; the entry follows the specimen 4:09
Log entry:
12:58
